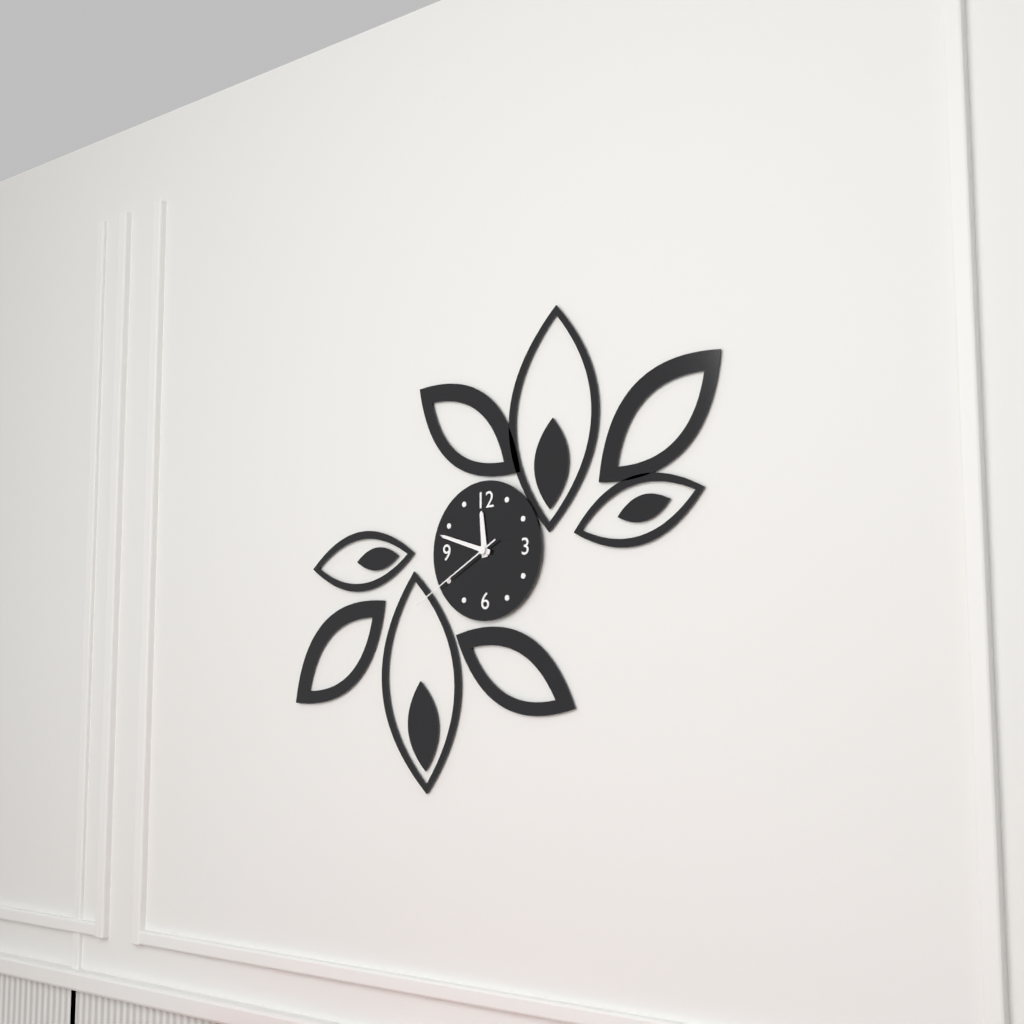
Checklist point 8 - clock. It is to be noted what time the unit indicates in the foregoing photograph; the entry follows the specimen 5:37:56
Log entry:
11:48:40
